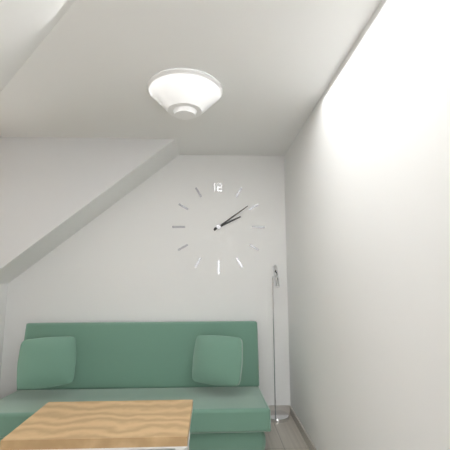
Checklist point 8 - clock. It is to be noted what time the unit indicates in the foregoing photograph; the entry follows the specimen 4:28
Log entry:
2:09
